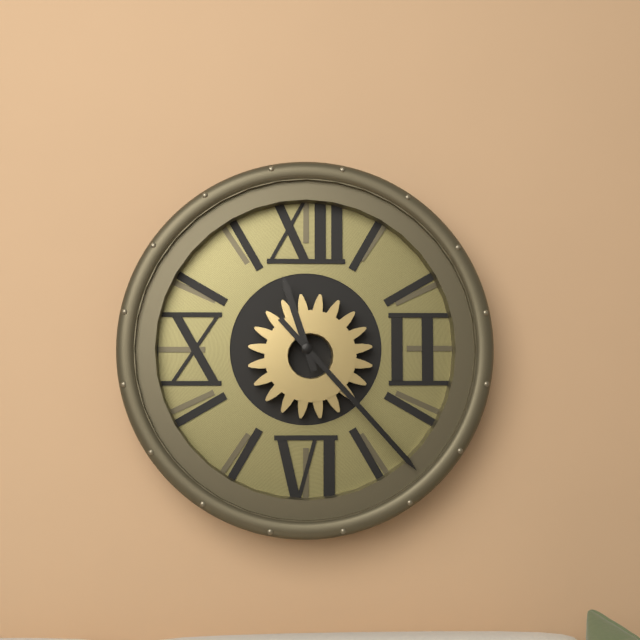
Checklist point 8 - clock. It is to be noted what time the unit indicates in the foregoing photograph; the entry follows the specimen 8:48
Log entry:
11:23
